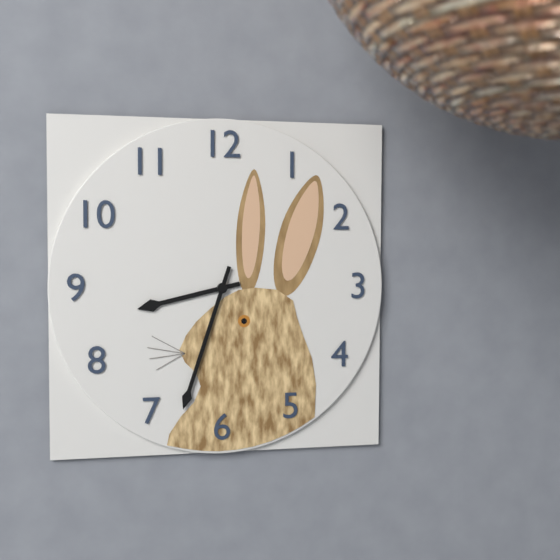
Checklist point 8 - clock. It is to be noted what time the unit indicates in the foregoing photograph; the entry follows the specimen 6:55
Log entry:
8:33
